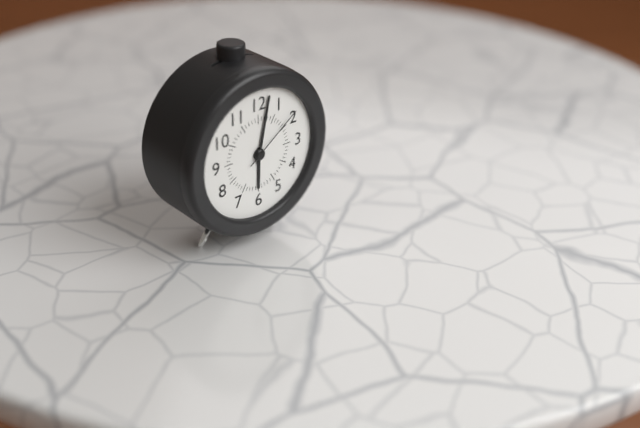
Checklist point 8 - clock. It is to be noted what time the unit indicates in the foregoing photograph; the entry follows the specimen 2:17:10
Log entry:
6:02:09
